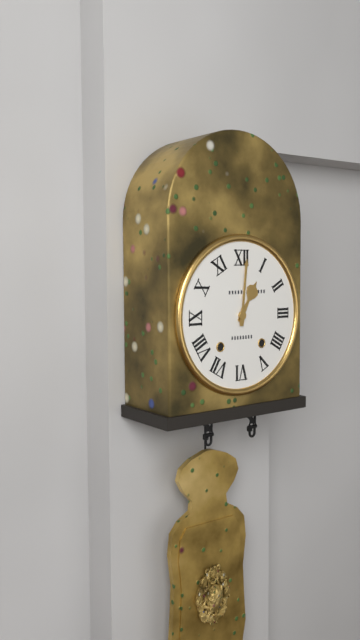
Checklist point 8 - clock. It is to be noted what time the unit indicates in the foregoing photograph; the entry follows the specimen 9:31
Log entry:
1:01
